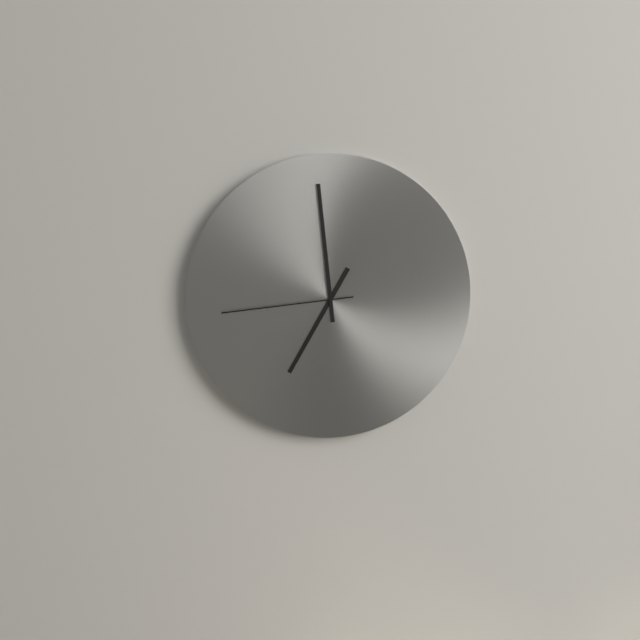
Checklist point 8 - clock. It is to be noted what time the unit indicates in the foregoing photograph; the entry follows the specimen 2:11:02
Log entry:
6:59:44
